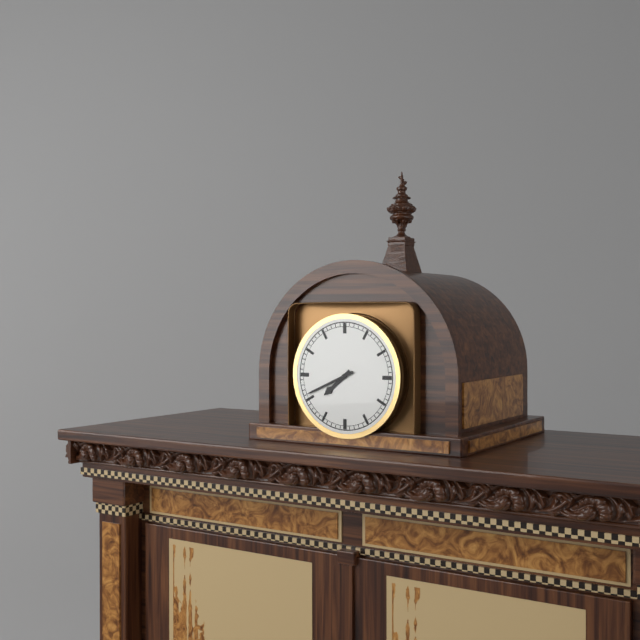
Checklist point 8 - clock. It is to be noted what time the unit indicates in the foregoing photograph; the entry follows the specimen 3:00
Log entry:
7:41
